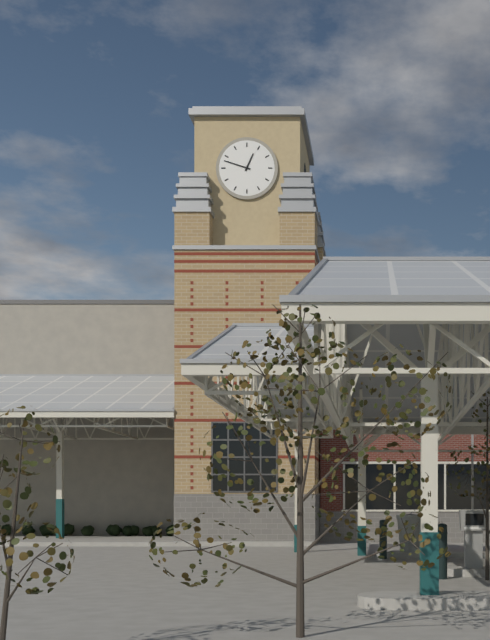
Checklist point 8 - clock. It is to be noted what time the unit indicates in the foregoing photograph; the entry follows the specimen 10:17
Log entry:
12:48
